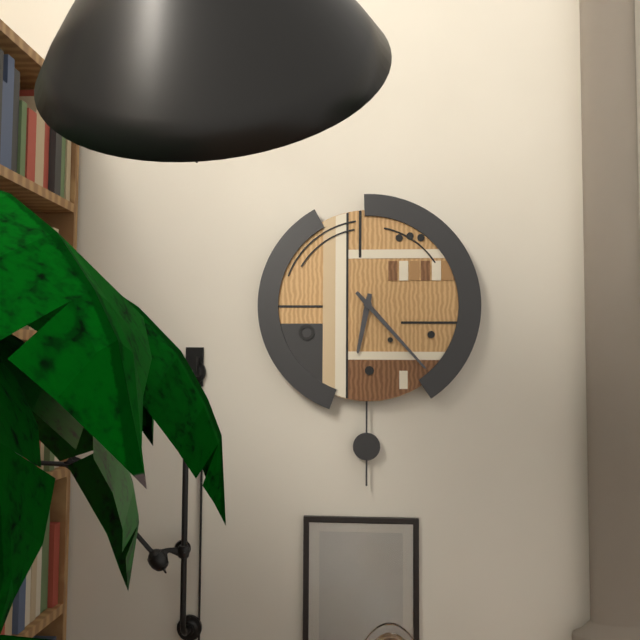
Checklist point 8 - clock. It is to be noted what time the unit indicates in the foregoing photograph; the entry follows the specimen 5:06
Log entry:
6:23
